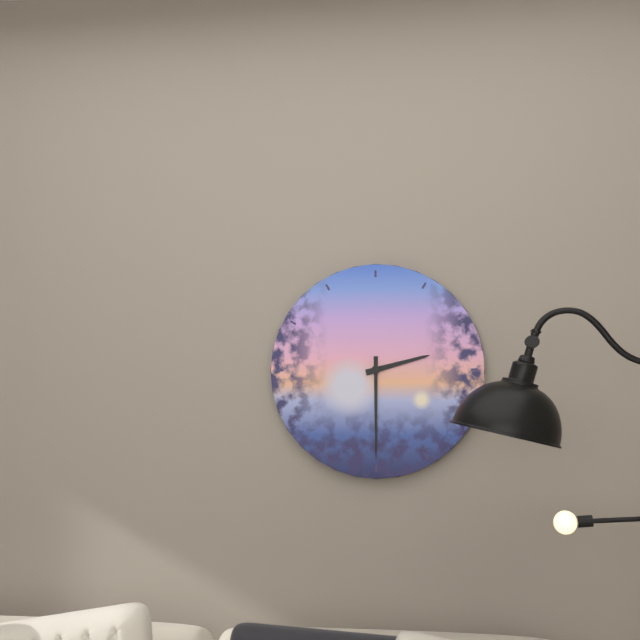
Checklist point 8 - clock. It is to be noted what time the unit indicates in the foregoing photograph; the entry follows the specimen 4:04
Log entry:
2:30
